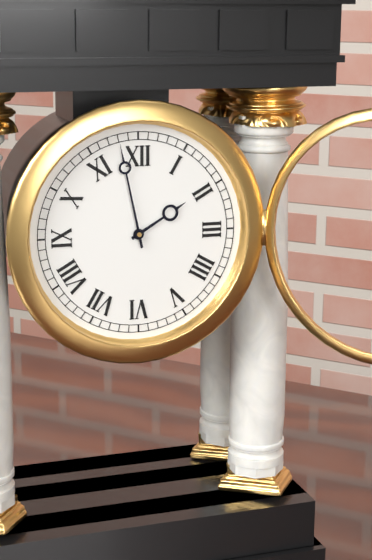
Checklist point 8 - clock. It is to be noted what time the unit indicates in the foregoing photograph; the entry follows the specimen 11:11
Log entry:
1:58
